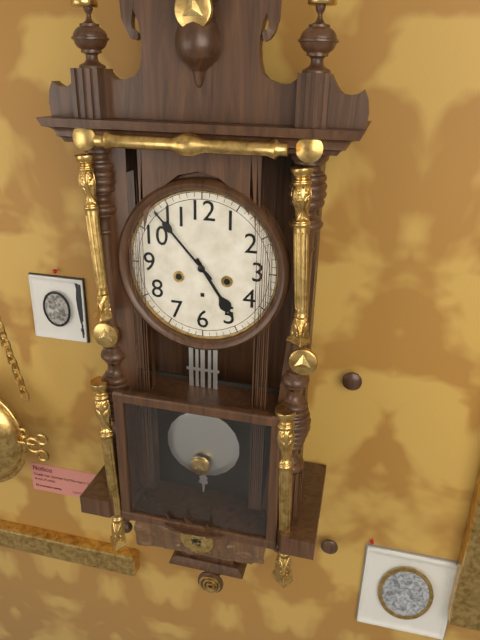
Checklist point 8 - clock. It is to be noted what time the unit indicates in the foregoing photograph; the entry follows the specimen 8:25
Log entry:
4:53
